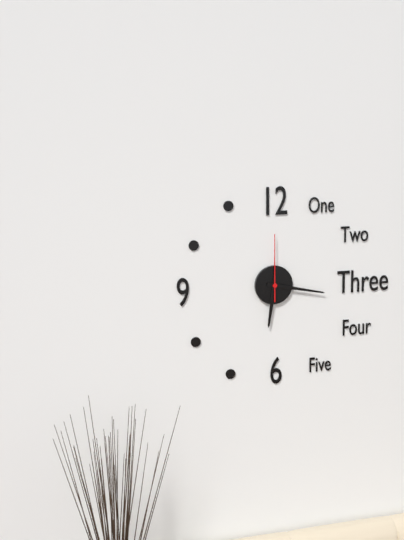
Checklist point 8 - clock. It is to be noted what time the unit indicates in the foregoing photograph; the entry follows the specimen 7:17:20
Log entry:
6:17:00
